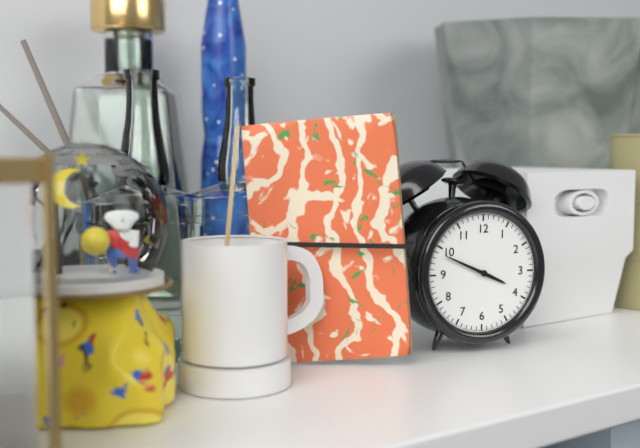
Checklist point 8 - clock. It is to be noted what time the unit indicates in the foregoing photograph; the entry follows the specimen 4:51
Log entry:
3:49
